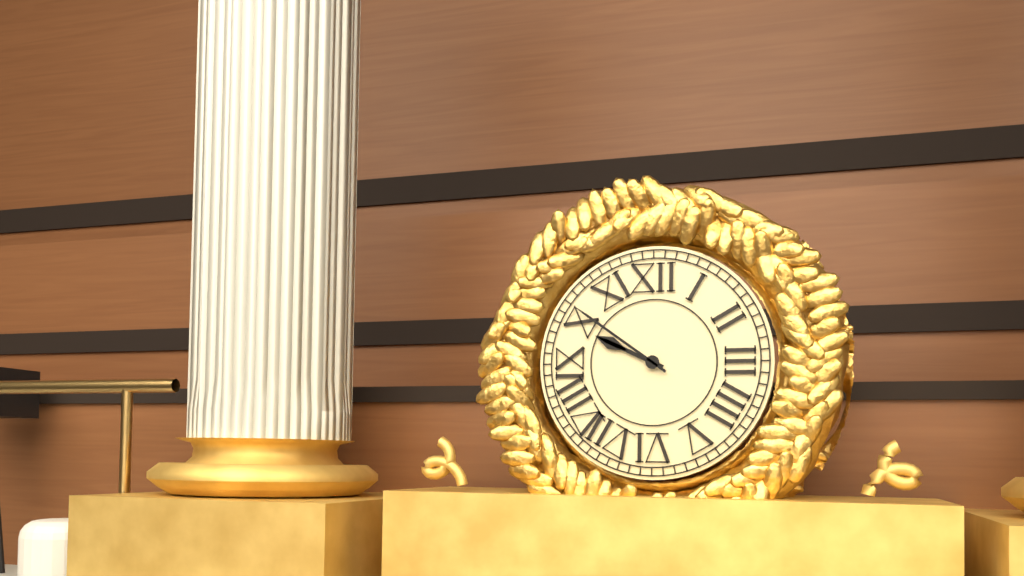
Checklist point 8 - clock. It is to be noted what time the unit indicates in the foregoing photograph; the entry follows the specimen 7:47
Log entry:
9:51
